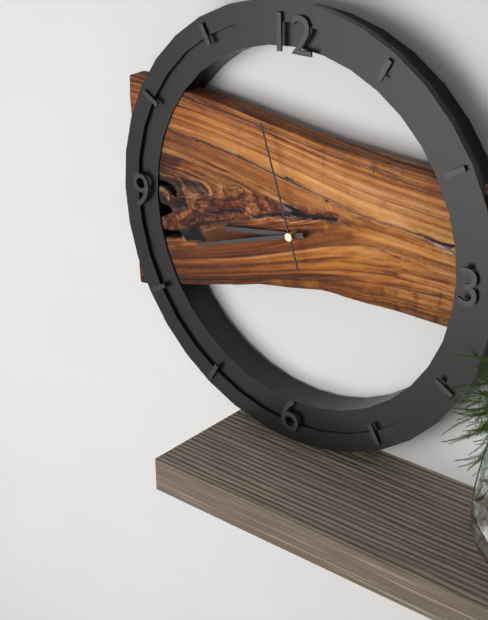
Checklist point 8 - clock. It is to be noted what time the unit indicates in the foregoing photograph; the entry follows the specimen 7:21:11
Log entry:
8:42:57
